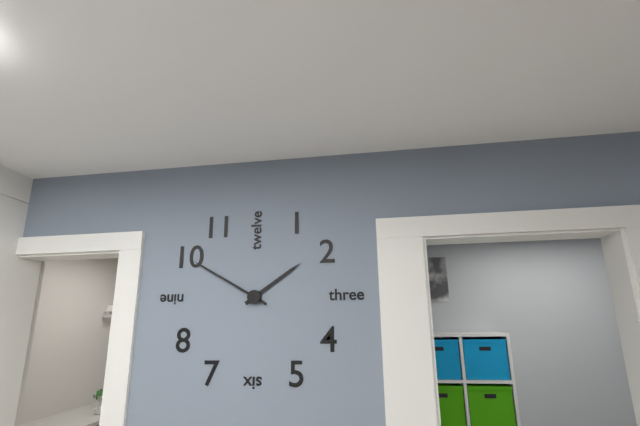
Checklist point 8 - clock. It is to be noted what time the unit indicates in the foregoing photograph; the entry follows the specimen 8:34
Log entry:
1:50
